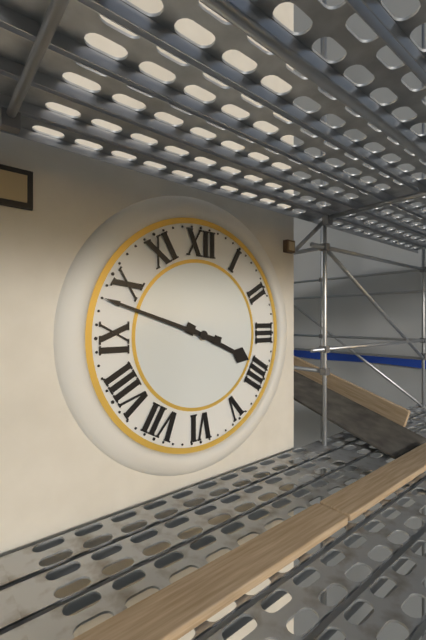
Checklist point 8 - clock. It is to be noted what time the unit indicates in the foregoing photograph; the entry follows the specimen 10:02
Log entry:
3:48
